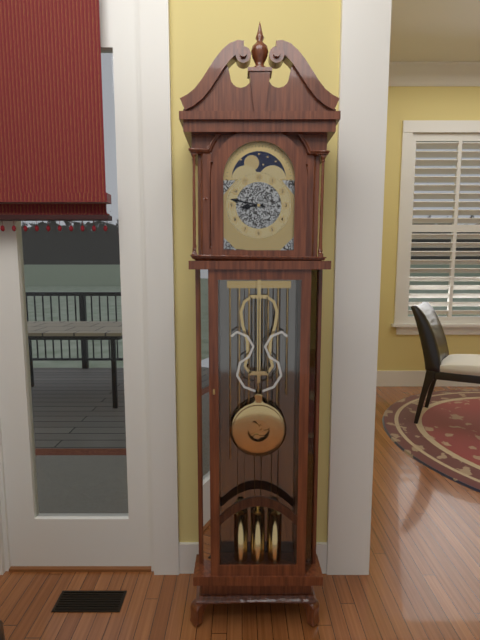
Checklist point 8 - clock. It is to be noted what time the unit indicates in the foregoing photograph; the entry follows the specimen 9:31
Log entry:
8:47
